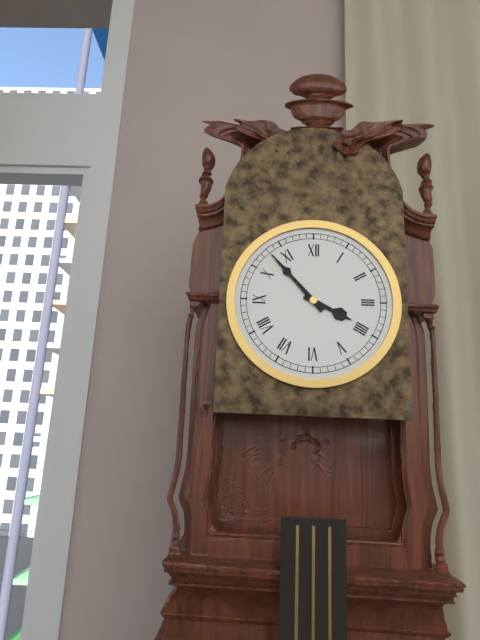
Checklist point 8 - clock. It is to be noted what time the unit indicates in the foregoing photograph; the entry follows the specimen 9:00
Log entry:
3:53
